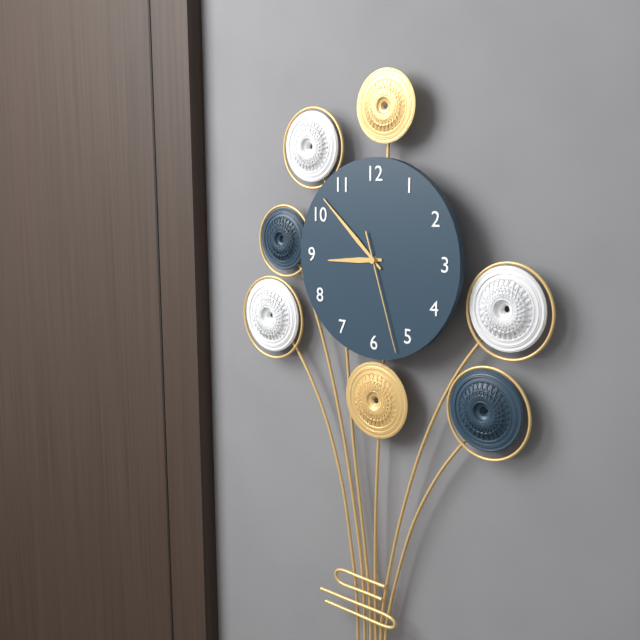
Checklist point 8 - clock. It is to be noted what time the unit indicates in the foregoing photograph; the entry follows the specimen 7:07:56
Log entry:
8:52:27
